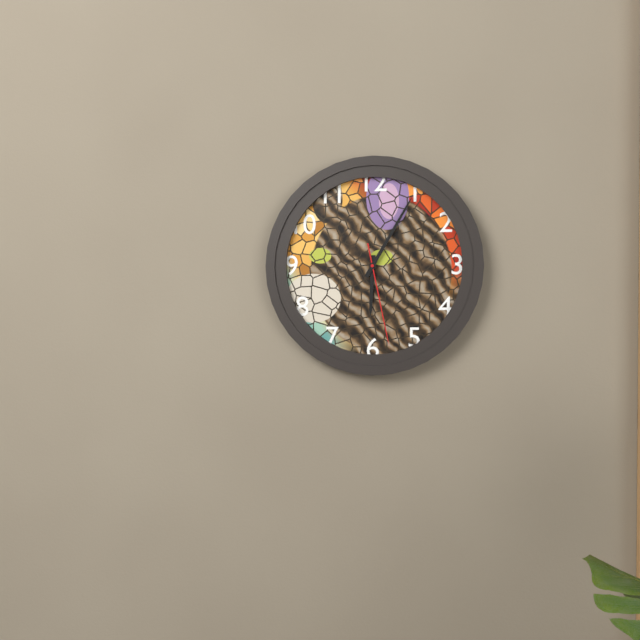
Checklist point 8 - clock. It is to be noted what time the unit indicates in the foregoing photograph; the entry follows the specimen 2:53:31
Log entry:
6:05:28
